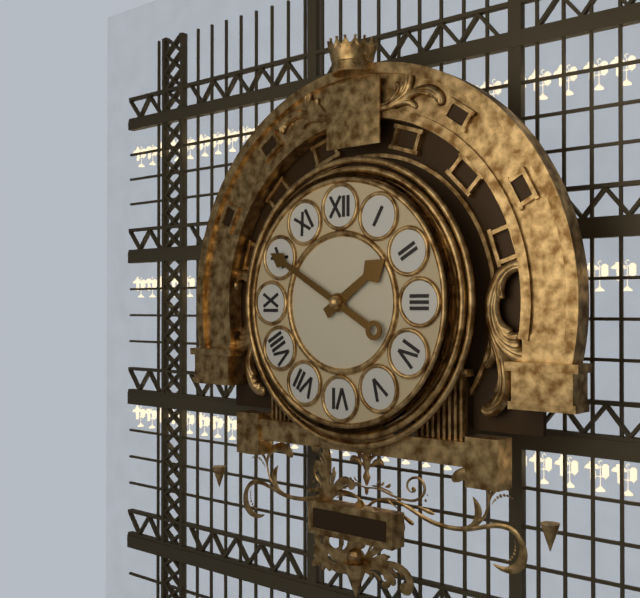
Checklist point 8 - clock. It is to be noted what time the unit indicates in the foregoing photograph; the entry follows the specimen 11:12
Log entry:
1:50
